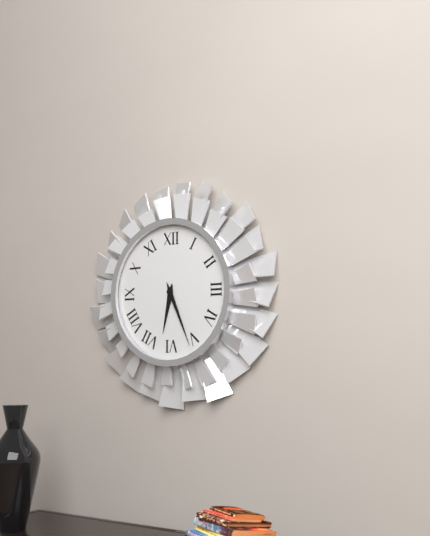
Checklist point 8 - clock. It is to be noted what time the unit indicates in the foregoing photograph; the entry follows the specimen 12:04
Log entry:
6:26
